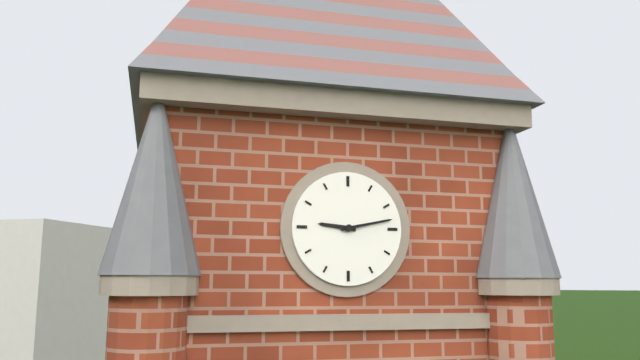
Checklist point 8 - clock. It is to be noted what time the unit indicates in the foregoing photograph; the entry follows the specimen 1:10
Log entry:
9:13
